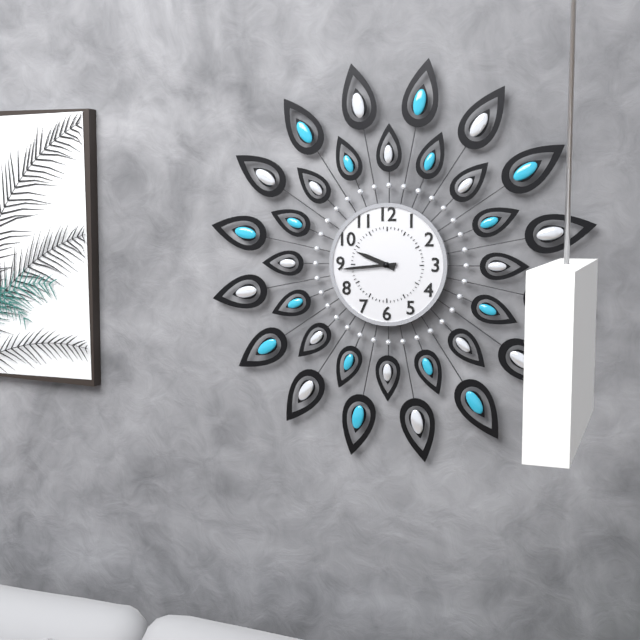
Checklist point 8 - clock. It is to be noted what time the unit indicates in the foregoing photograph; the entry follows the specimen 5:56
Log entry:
9:44
